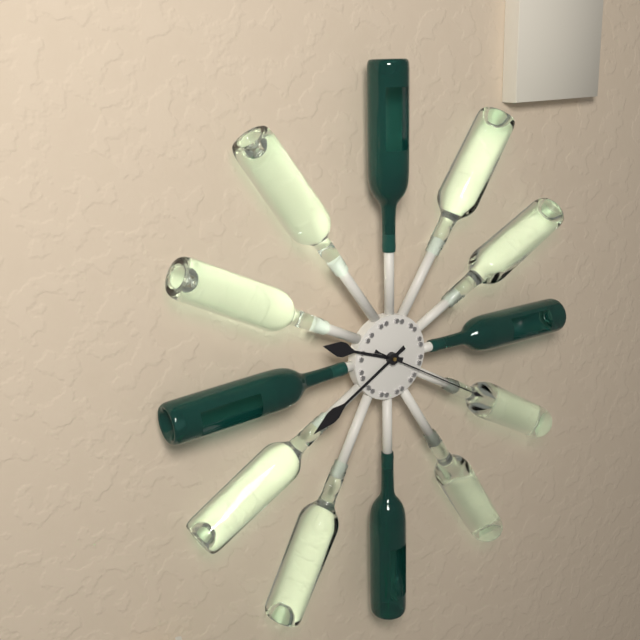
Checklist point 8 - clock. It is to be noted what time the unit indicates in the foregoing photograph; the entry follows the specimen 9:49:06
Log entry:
9:40:20
